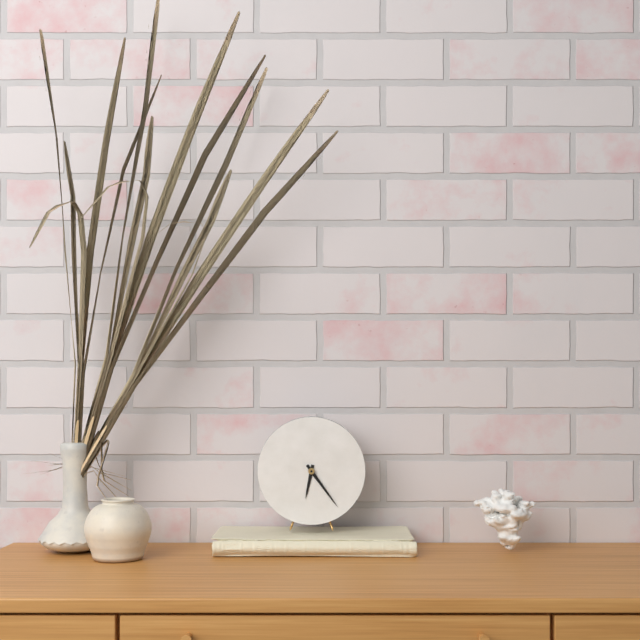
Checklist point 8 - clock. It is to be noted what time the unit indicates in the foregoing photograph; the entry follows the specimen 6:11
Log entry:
6:24
